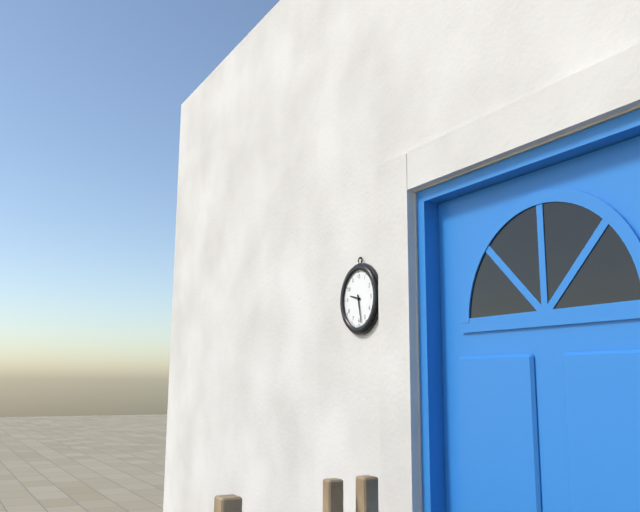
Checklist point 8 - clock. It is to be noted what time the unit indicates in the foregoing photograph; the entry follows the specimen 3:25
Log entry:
9:28
